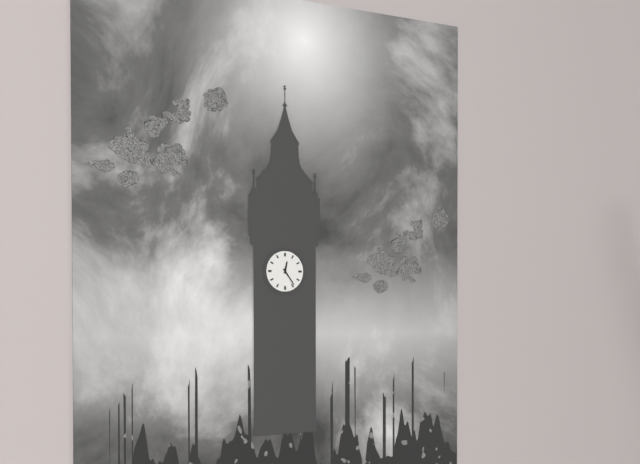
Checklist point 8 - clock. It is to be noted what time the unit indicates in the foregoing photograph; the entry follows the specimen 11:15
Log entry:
12:24
